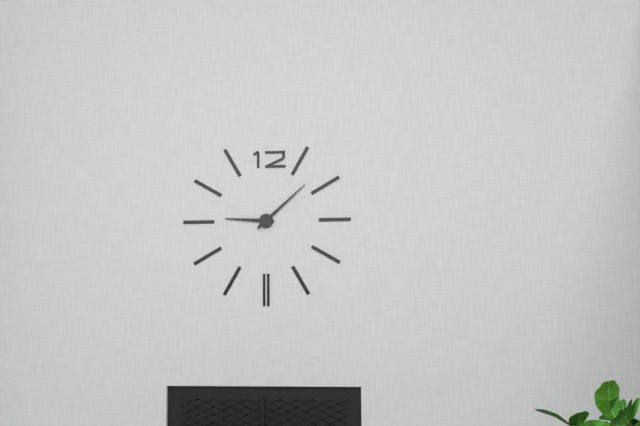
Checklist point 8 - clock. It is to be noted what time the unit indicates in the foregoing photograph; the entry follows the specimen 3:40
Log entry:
9:08
